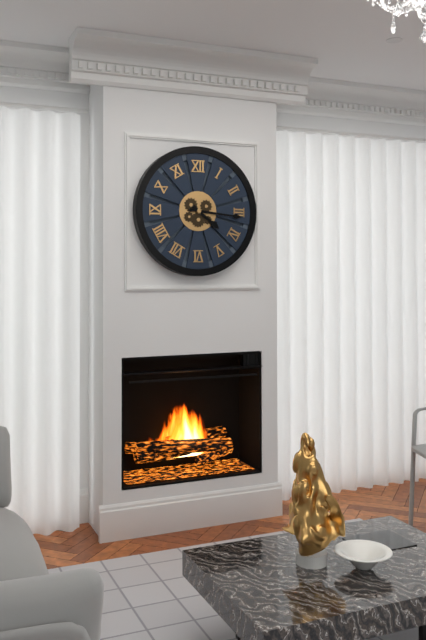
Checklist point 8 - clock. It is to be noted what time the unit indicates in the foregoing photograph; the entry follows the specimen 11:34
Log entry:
4:16
